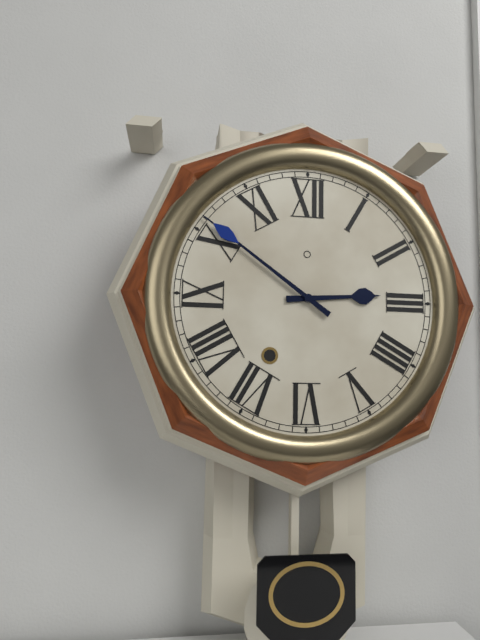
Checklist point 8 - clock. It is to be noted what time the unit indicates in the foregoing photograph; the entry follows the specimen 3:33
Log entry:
2:51
